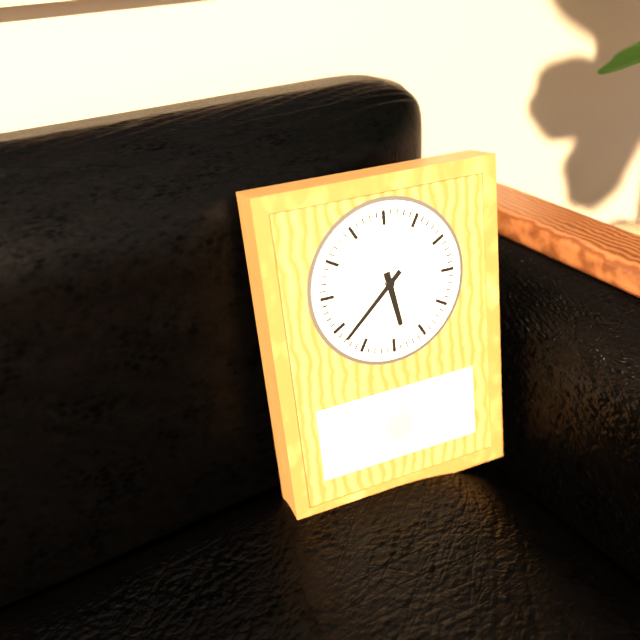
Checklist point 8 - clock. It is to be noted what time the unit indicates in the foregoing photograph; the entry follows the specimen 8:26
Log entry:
5:38
